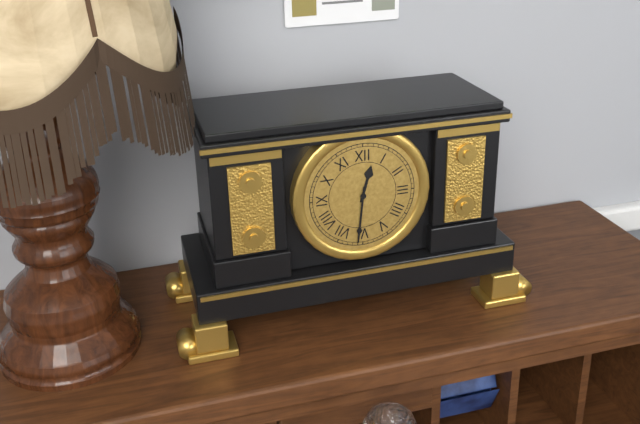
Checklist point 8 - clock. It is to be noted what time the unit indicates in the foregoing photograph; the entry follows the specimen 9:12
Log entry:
12:31
